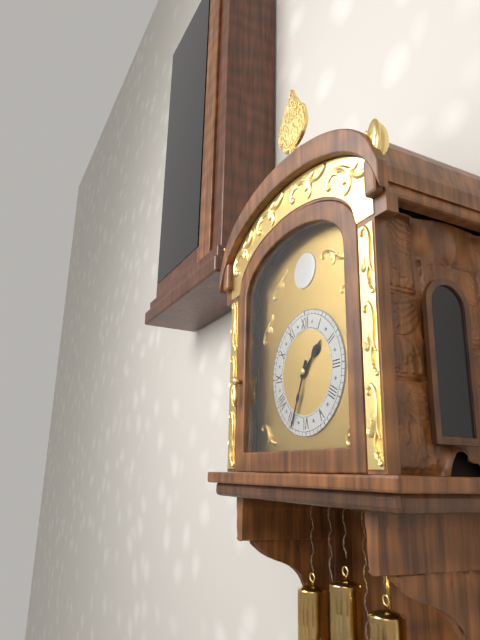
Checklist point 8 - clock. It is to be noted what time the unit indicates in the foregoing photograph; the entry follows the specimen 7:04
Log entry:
1:34
